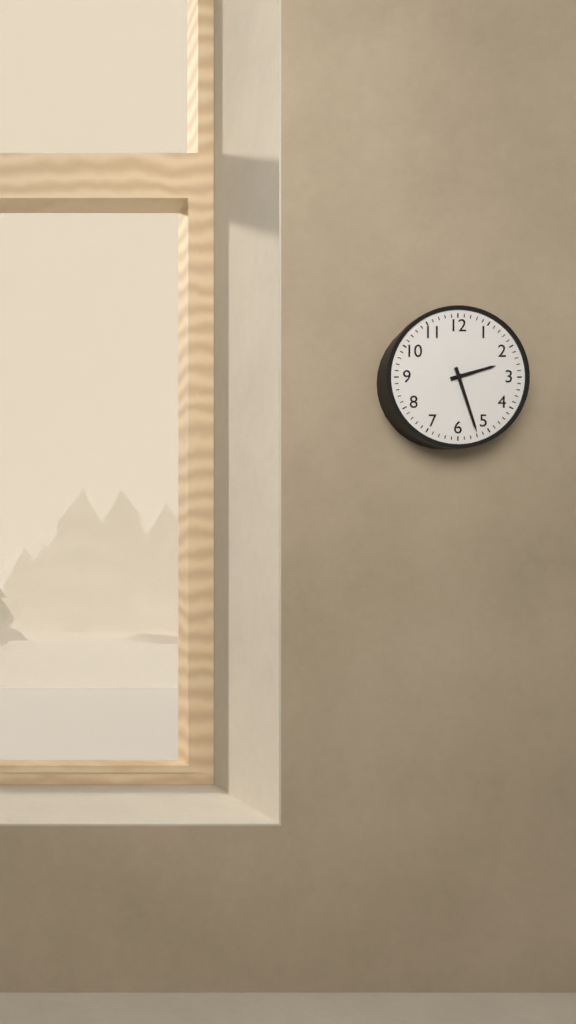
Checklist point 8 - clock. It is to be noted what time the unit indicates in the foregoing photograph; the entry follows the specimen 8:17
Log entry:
2:27
